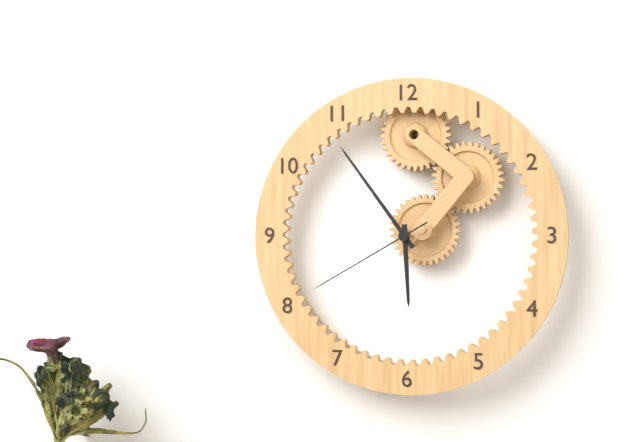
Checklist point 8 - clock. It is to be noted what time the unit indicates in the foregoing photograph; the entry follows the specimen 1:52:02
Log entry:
5:54:40
